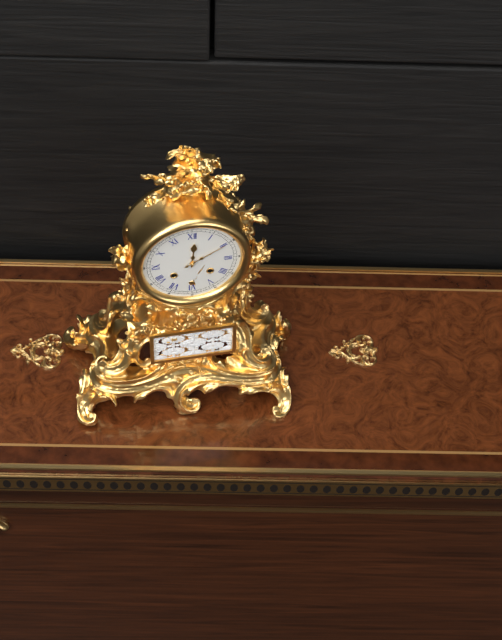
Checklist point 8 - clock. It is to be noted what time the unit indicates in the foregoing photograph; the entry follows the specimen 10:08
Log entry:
12:10
